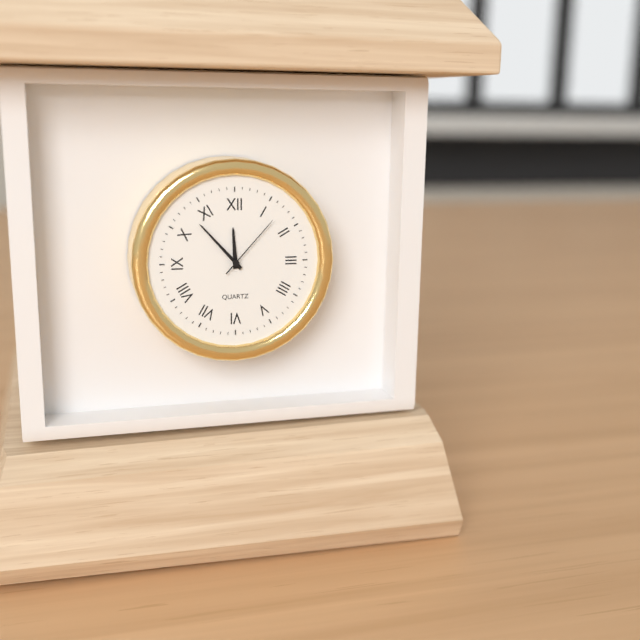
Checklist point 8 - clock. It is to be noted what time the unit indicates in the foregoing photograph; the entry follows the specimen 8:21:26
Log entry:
11:53:07
